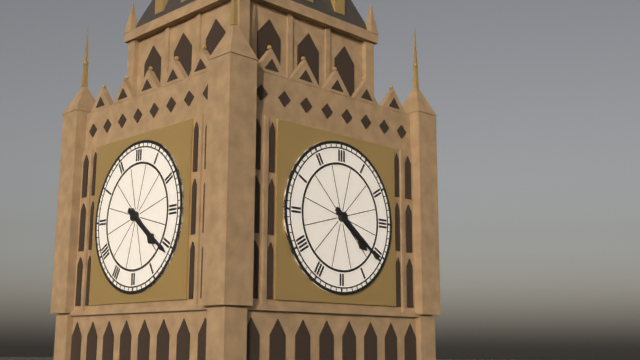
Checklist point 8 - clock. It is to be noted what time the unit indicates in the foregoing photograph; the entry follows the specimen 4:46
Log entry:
4:21
